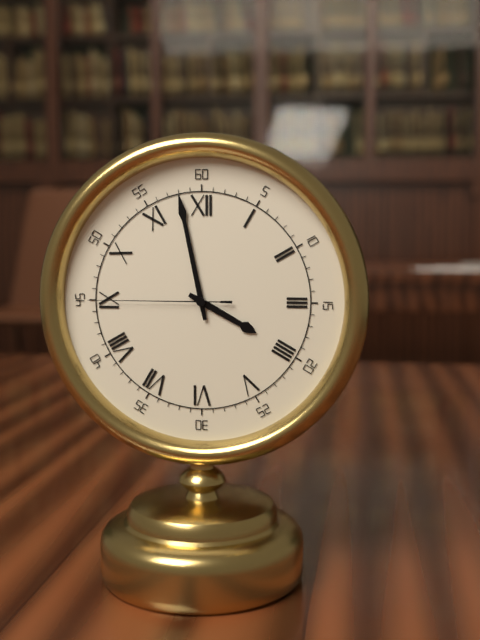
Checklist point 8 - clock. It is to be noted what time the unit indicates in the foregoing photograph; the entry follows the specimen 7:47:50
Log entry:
3:58:45
